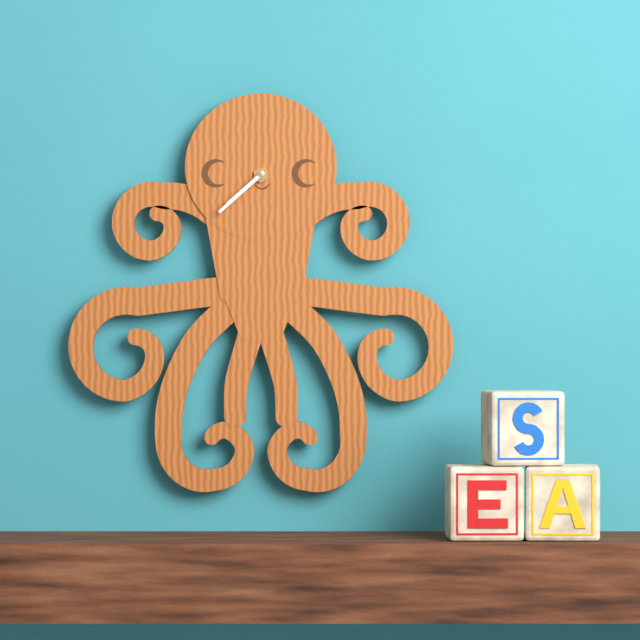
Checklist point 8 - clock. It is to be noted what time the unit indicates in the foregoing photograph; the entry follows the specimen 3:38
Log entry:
7:38
